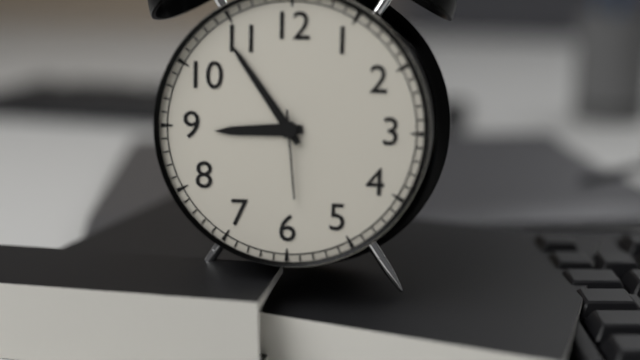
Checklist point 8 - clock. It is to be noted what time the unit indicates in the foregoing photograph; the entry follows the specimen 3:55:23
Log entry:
8:54:29
